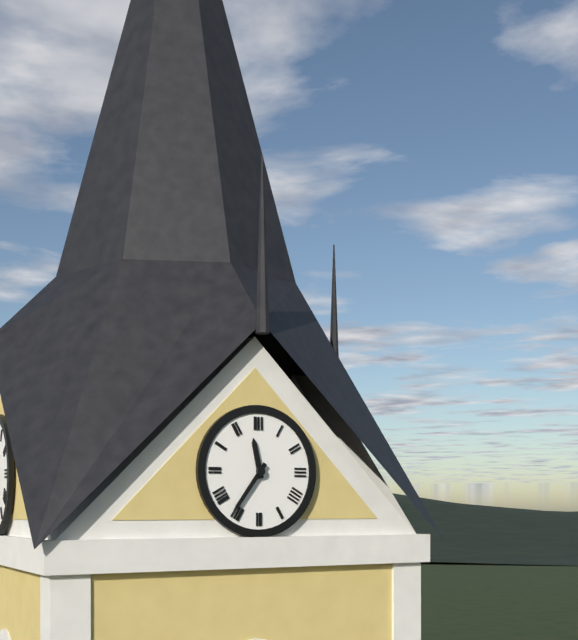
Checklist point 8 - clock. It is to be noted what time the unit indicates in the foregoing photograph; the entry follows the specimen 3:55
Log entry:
11:36
